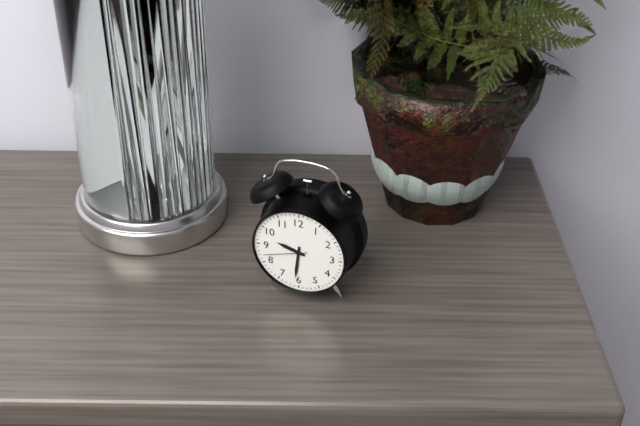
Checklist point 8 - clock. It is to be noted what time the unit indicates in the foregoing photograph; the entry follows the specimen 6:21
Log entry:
9:31
